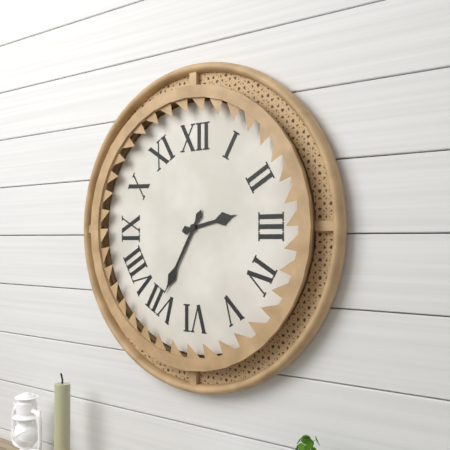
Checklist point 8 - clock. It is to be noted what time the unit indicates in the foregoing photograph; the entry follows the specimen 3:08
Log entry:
2:35
